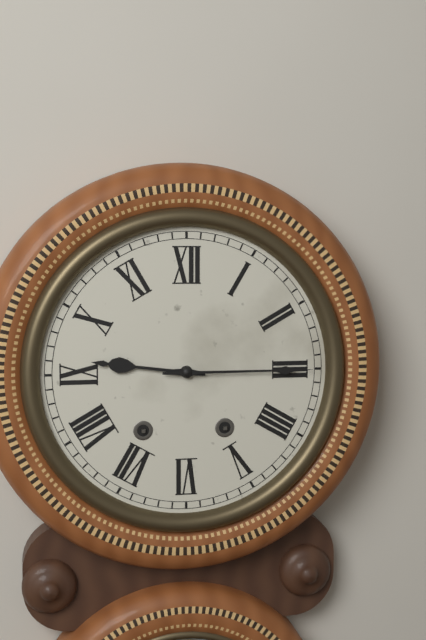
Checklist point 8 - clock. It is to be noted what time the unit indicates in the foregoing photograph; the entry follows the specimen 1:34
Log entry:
9:15
